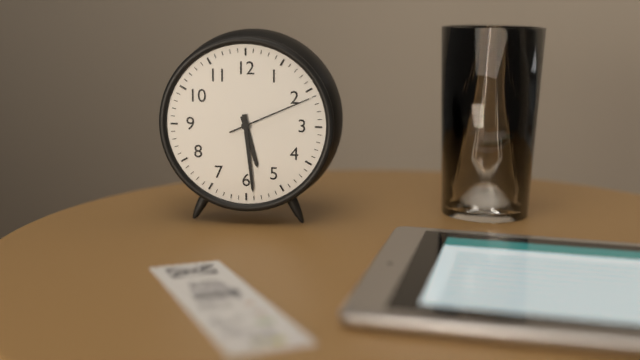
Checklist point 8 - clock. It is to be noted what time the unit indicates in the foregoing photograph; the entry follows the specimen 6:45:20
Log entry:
5:29:11
